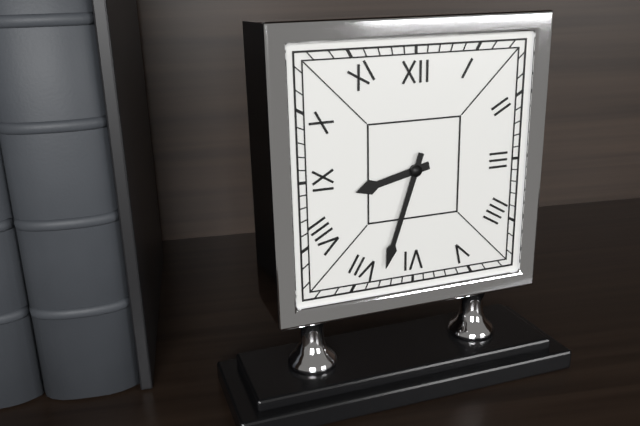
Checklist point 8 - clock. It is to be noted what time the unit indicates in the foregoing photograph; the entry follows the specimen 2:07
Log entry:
8:33
